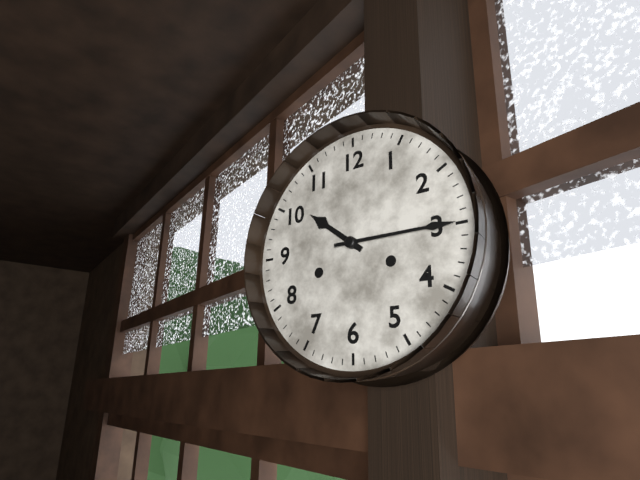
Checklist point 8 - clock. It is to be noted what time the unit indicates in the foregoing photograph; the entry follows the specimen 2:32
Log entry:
10:15
